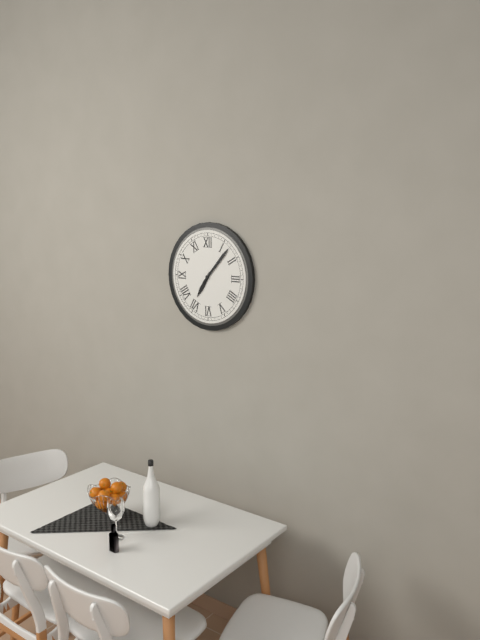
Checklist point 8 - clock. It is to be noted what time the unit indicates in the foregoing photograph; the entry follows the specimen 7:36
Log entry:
7:07
